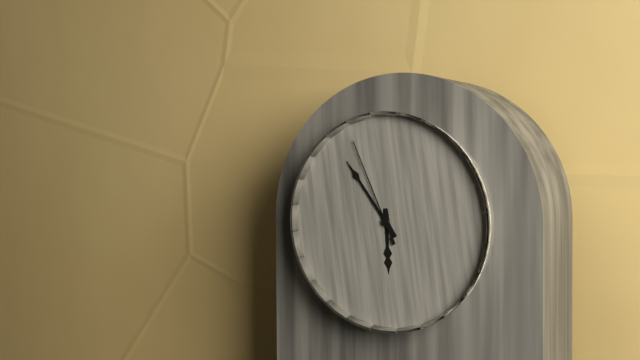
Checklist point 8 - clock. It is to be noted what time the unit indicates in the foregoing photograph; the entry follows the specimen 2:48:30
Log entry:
5:54:56
